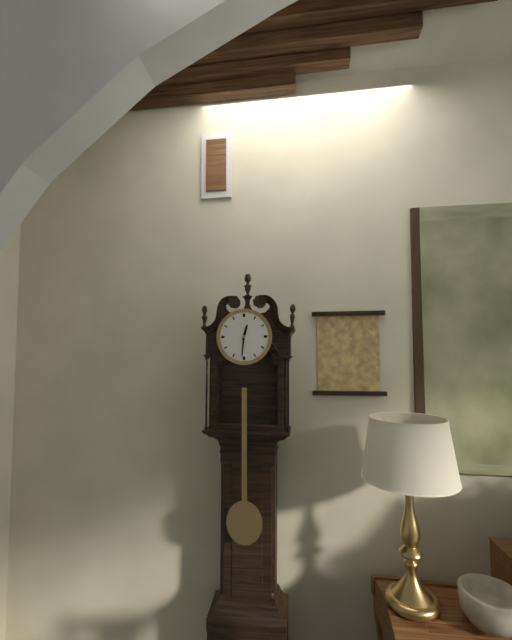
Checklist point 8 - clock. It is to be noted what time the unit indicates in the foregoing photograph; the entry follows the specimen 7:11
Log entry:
12:31
